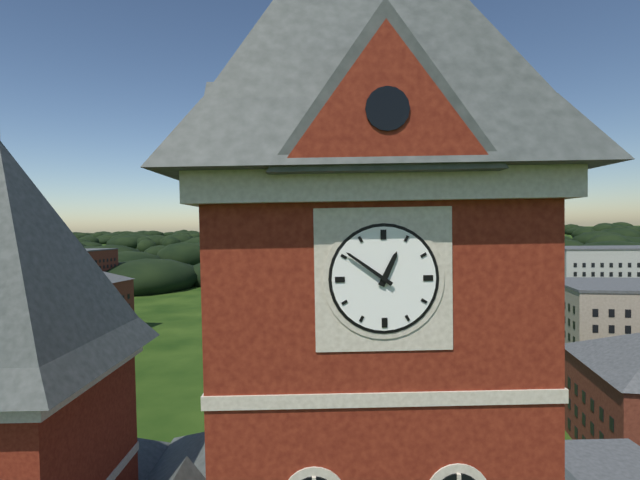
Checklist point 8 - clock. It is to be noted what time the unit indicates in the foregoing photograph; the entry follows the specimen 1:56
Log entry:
12:51
